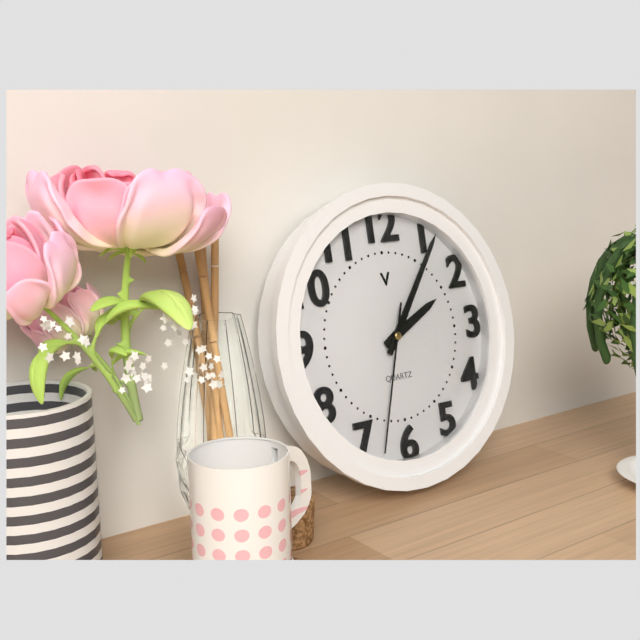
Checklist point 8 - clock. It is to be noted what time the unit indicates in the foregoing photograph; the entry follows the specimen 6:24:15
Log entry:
2:06:33
